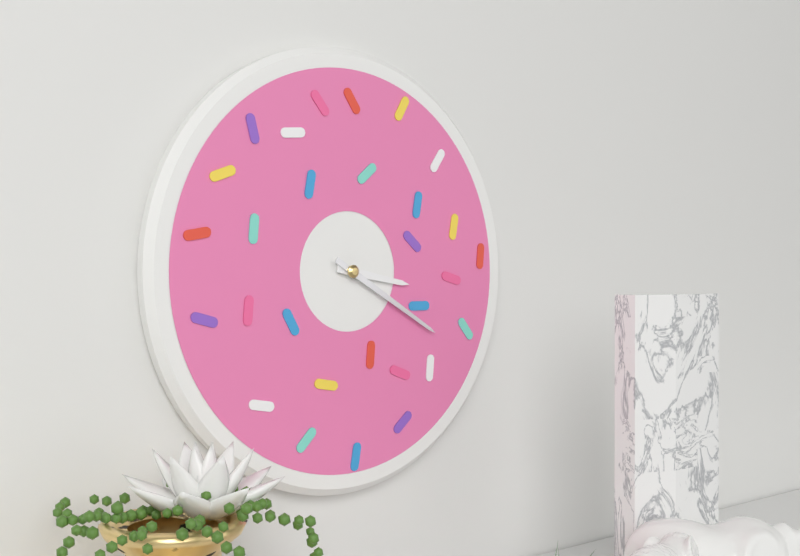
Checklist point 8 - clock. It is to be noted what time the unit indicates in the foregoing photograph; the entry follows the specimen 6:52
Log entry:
3:20
